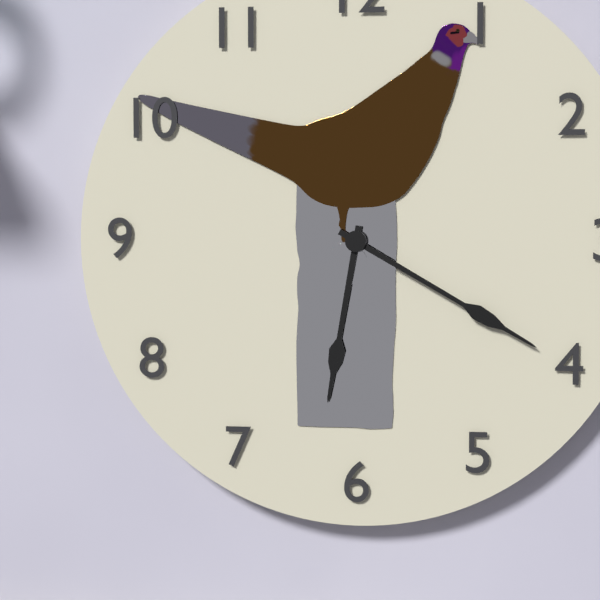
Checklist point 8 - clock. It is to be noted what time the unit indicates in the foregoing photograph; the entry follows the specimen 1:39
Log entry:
6:20
